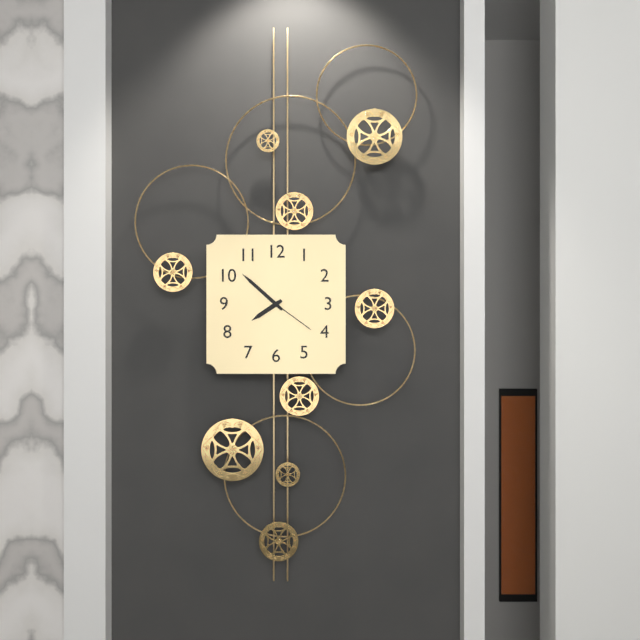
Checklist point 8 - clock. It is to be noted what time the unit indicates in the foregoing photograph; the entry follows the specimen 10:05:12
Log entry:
7:52:21
